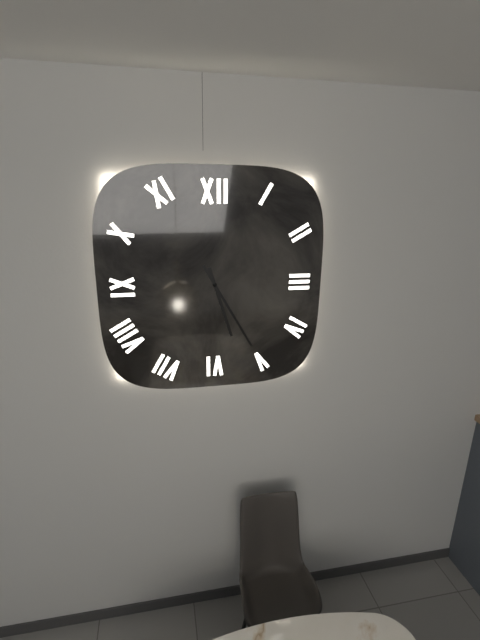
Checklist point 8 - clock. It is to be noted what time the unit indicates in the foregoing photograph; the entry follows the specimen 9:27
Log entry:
5:25
